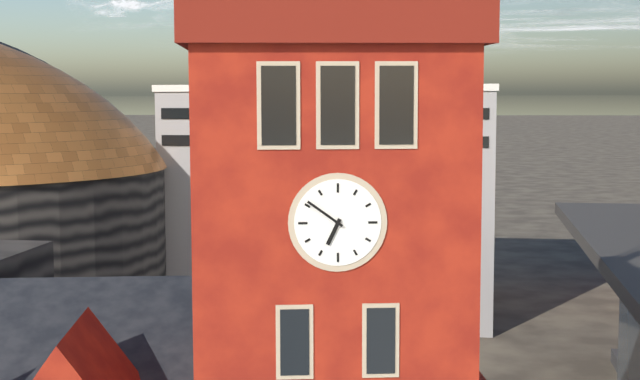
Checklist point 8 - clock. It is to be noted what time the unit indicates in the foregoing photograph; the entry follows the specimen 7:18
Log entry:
6:51
